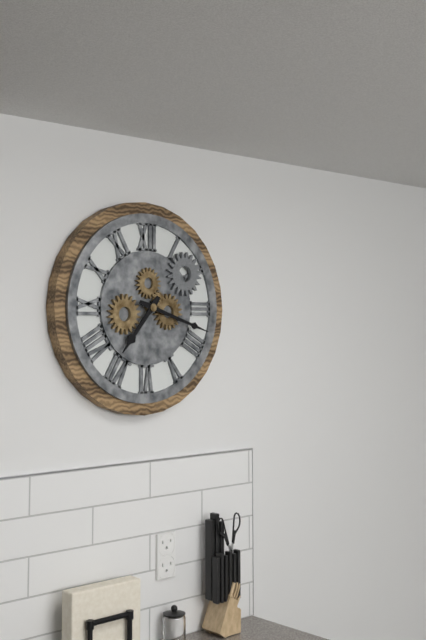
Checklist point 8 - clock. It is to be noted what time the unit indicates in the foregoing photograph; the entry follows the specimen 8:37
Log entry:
7:18
